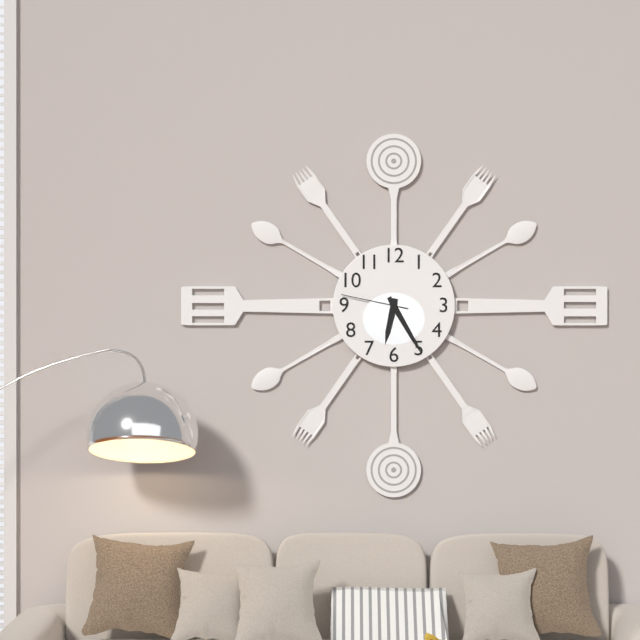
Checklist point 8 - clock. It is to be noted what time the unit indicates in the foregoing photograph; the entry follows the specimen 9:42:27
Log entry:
6:25:47
